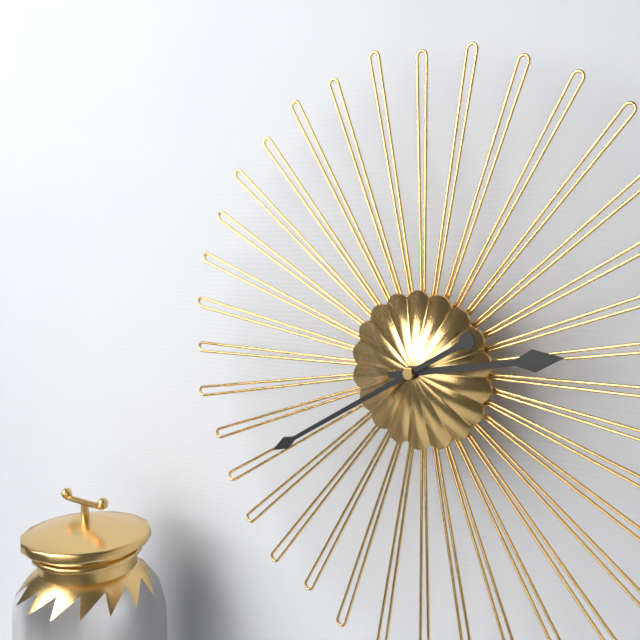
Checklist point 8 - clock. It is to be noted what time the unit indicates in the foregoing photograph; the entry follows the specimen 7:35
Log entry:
2:40
